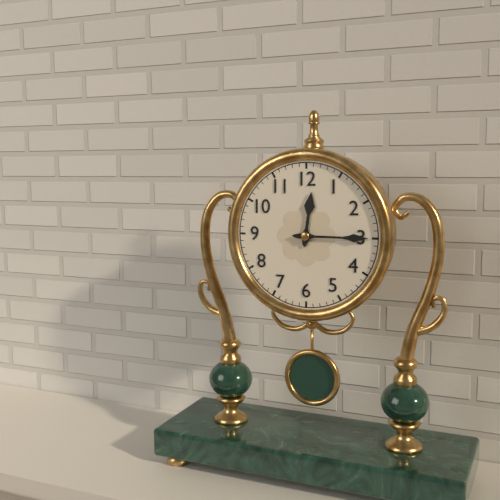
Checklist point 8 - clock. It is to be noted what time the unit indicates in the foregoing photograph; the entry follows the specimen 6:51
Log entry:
12:15
